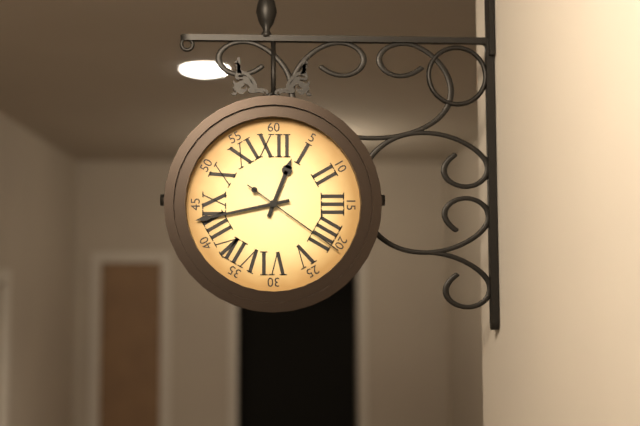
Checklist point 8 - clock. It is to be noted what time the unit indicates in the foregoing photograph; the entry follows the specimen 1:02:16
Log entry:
12:43:21
